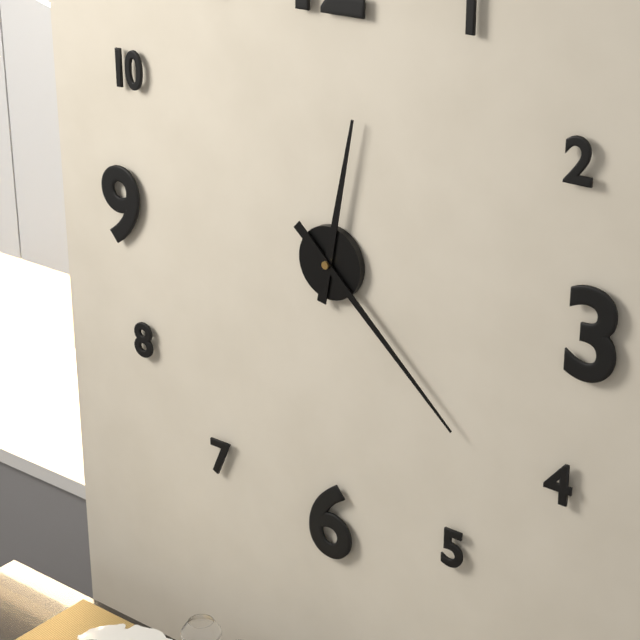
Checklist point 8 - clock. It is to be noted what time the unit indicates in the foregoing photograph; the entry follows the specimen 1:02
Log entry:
12:22
